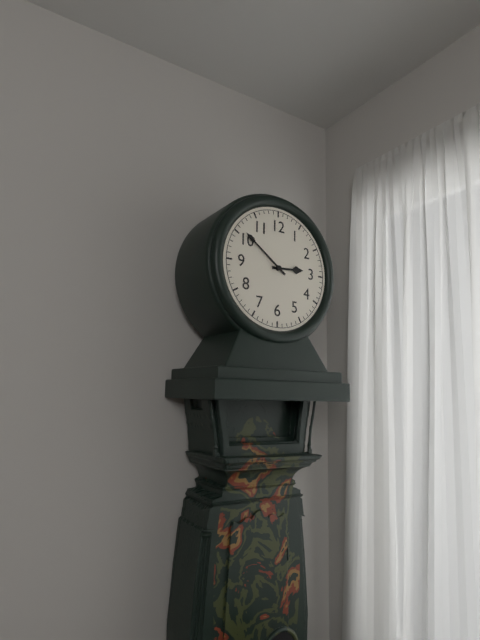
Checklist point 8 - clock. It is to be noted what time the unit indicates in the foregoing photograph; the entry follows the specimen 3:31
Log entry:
2:51
